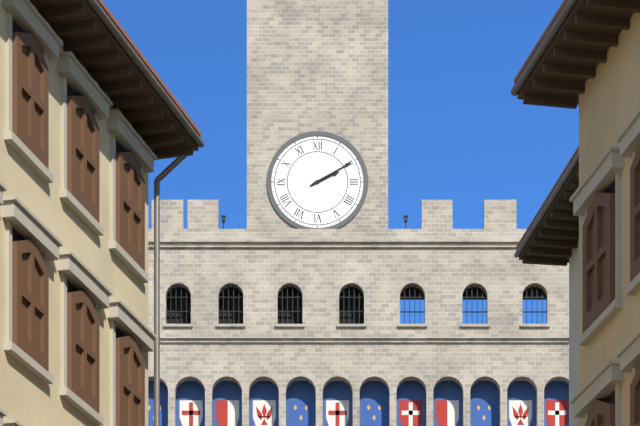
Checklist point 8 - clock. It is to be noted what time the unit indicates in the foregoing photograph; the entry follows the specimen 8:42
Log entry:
2:10
